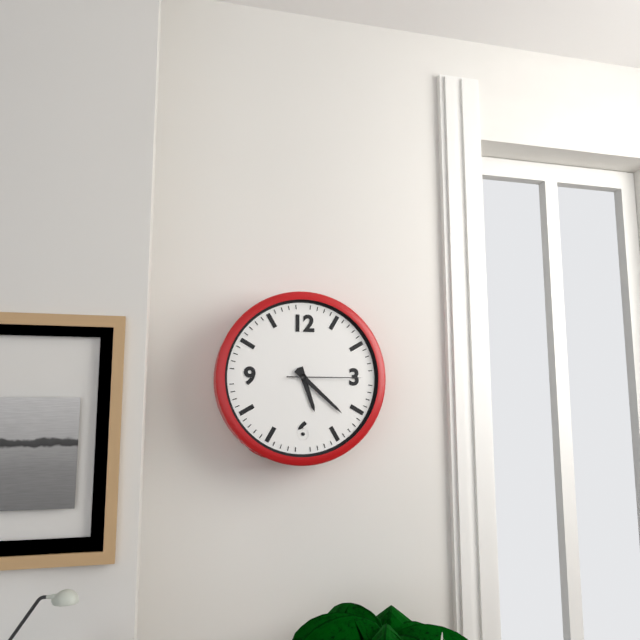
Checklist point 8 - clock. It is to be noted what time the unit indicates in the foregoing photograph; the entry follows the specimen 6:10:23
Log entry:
5:22:15
